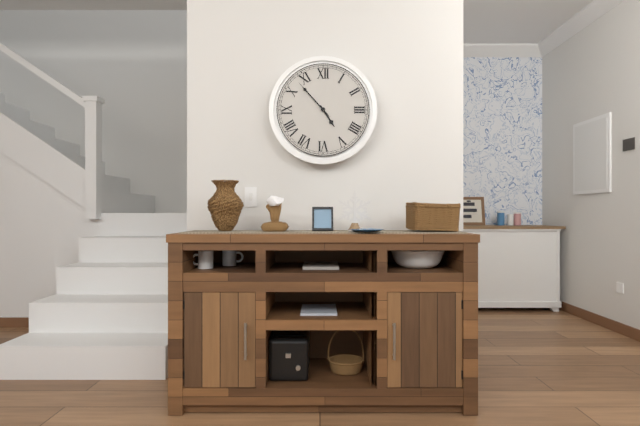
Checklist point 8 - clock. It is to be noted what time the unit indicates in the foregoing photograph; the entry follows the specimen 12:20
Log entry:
4:53
